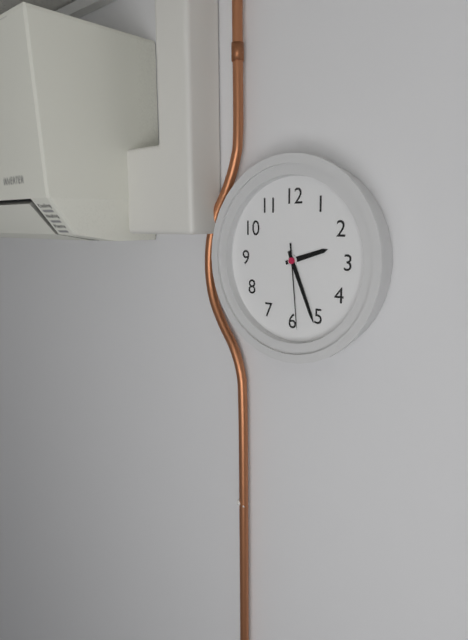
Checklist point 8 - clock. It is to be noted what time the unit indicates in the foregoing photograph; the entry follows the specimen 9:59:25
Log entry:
2:26:29
